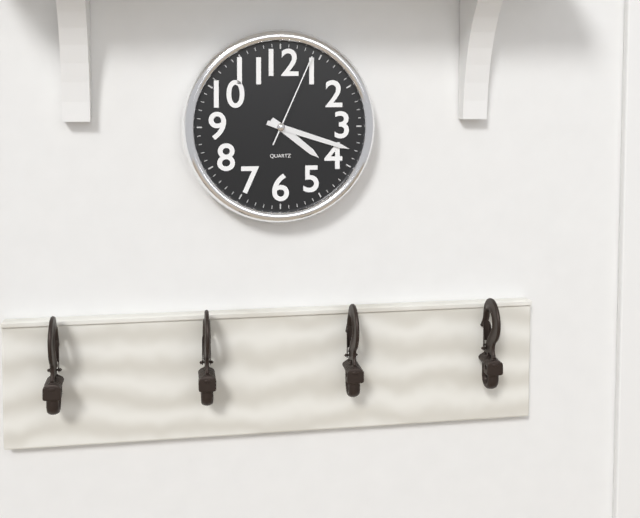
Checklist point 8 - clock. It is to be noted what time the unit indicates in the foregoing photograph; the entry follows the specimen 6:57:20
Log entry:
4:18:04
